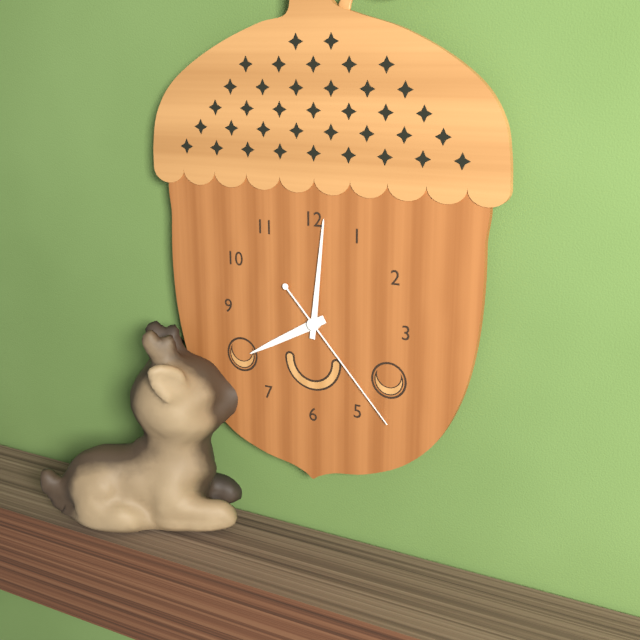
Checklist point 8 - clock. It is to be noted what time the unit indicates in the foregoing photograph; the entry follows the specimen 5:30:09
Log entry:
8:01:23
